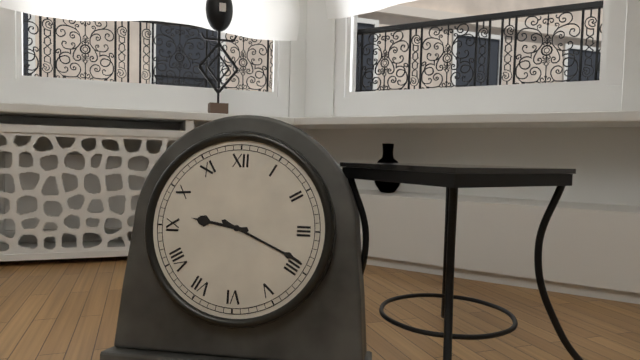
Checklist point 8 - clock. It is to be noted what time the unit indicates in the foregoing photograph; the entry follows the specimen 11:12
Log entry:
9:19
